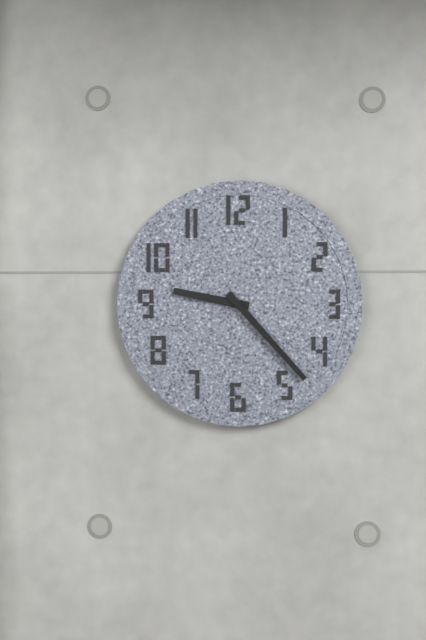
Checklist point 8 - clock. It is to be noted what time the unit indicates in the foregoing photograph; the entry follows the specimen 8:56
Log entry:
9:23
